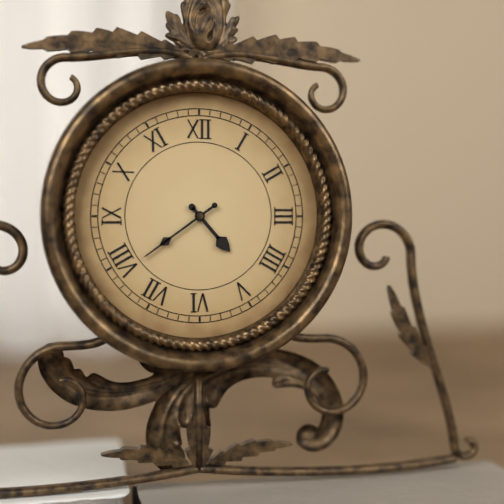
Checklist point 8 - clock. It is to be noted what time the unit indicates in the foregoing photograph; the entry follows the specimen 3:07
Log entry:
4:39
